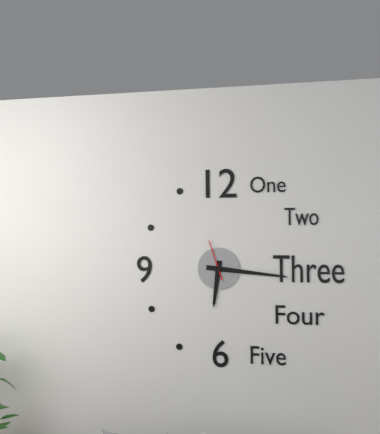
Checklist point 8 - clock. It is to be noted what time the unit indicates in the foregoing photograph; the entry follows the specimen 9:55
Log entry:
6:16
